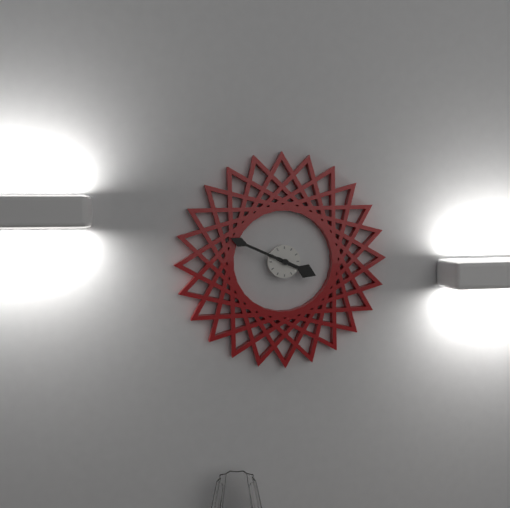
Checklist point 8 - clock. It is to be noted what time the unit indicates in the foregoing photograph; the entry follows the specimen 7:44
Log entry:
3:49
